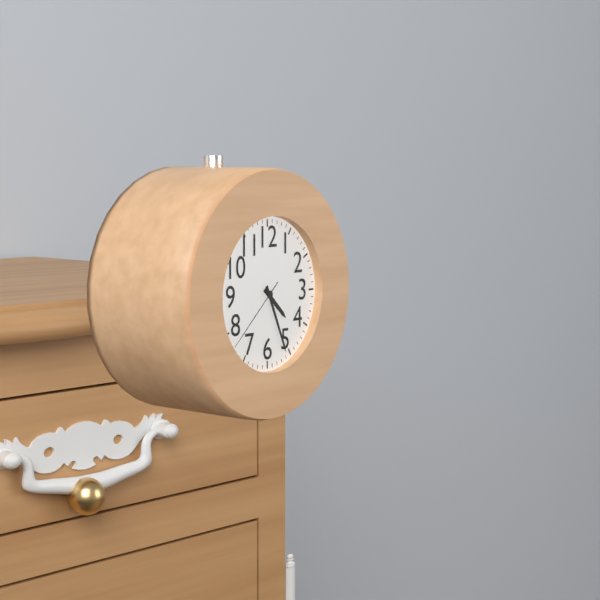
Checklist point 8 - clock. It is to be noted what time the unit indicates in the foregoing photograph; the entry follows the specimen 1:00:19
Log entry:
4:26:38
